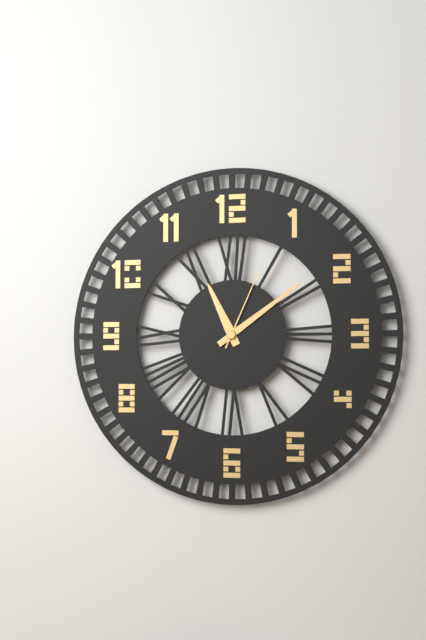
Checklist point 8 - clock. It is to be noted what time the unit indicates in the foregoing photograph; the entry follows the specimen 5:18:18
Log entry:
11:09:04
